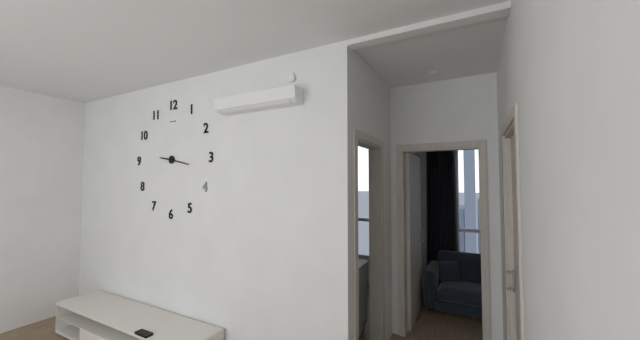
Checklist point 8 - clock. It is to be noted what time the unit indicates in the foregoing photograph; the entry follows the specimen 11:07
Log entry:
9:17
